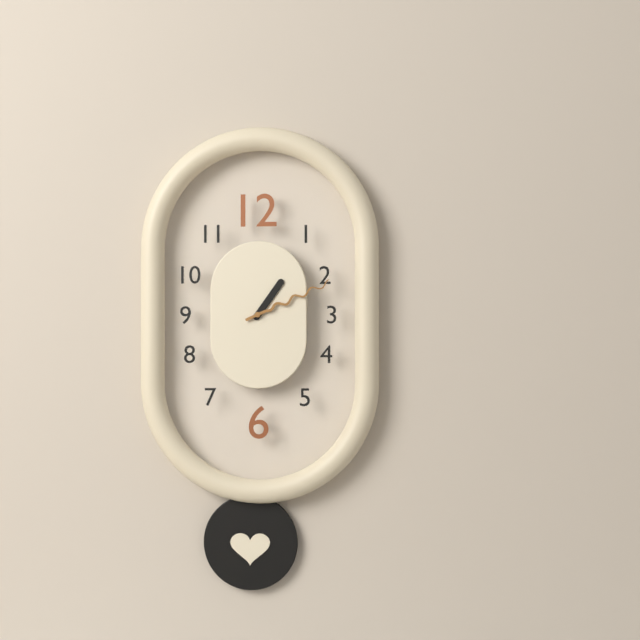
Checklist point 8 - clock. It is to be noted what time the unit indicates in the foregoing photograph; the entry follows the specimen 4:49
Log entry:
1:11
